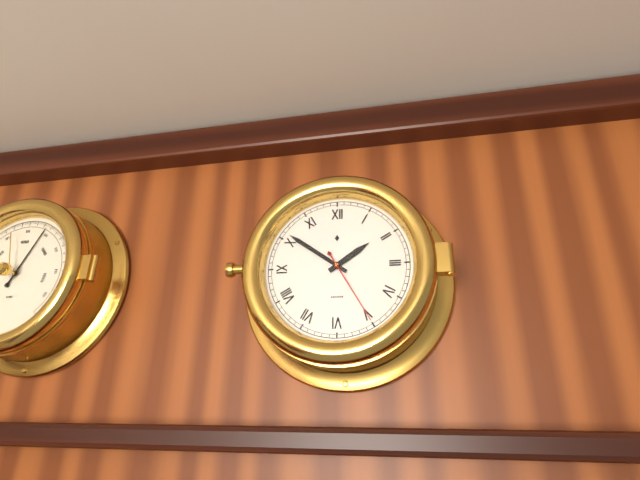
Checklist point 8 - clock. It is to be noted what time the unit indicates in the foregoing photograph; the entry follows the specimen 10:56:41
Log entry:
1:51:25
